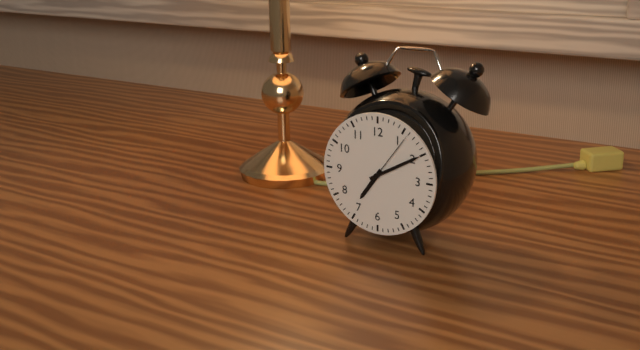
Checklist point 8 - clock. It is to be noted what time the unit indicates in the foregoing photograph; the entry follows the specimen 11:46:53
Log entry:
7:10:06
